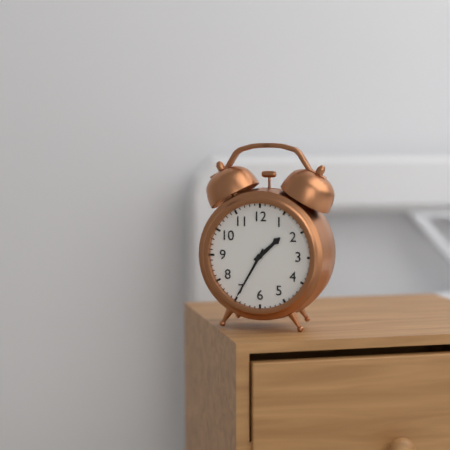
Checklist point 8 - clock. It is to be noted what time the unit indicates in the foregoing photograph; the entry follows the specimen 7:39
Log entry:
1:35
